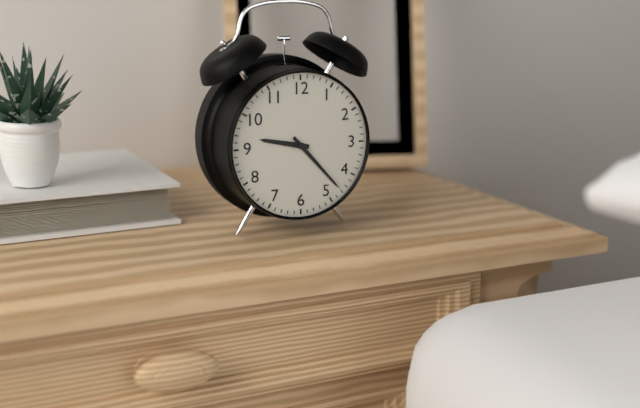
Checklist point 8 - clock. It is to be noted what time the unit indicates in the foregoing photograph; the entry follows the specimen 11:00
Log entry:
9:23
